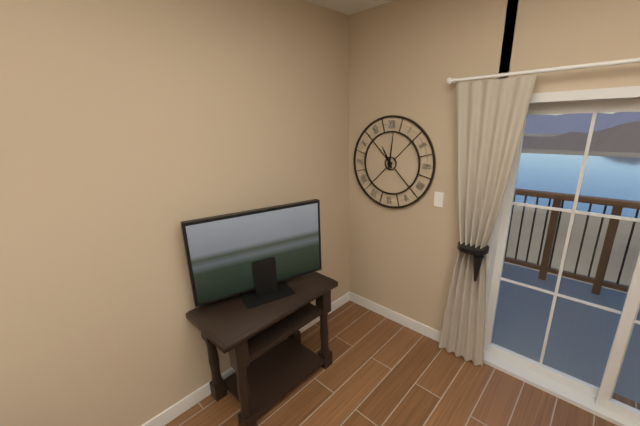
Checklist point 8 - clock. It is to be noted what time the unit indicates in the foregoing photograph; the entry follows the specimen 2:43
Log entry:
11:01
